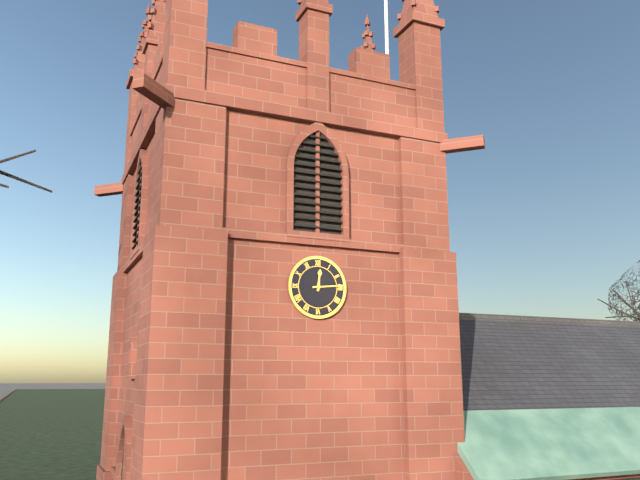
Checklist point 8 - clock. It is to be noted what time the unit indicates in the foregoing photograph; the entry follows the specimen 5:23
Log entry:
12:14
